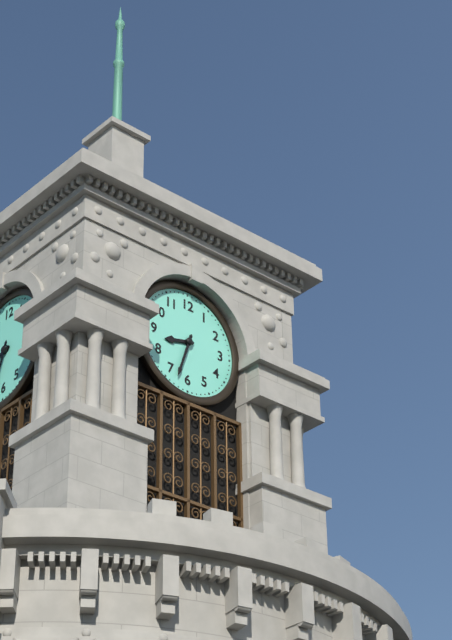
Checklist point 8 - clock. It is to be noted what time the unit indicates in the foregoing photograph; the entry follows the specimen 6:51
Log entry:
8:33
